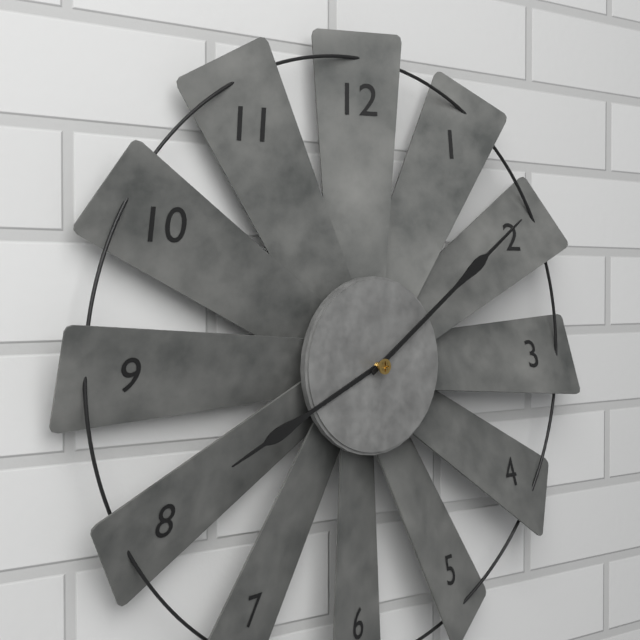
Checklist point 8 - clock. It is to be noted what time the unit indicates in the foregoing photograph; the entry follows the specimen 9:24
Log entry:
8:09
